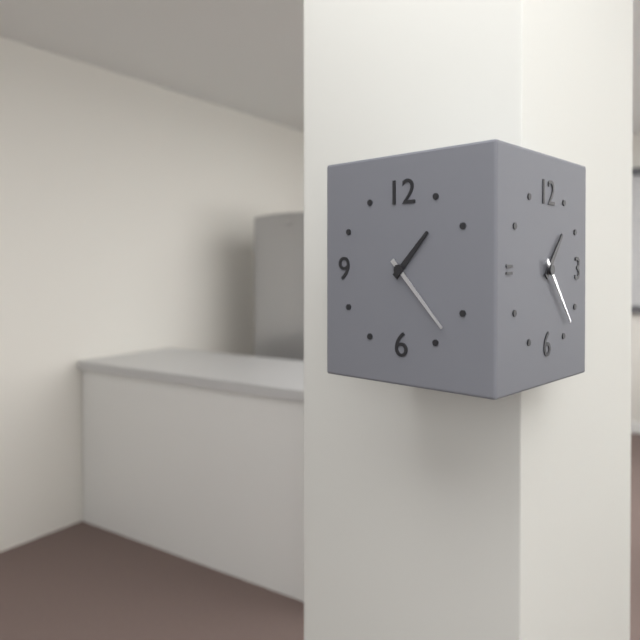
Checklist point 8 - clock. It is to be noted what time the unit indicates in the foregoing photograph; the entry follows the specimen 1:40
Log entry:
1:23
